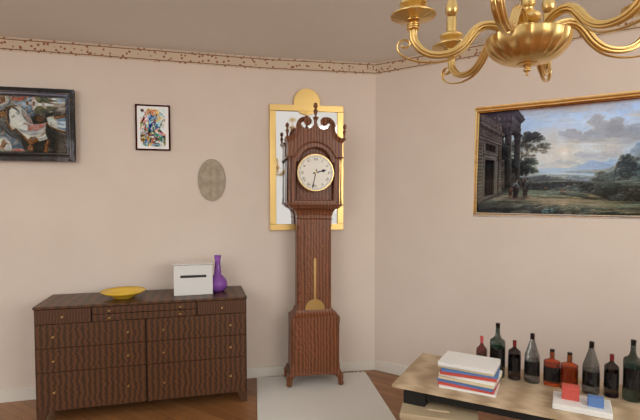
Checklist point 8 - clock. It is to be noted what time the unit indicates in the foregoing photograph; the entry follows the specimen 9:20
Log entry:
2:32
